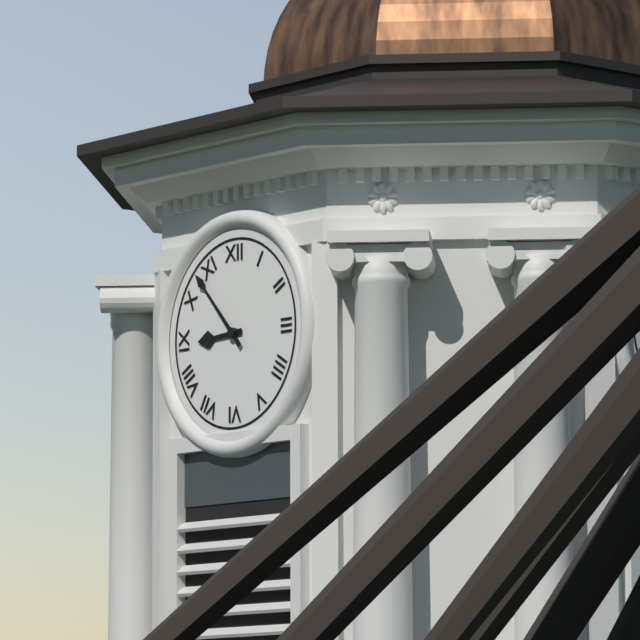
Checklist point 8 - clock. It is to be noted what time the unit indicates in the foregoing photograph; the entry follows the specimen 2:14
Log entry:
8:53
